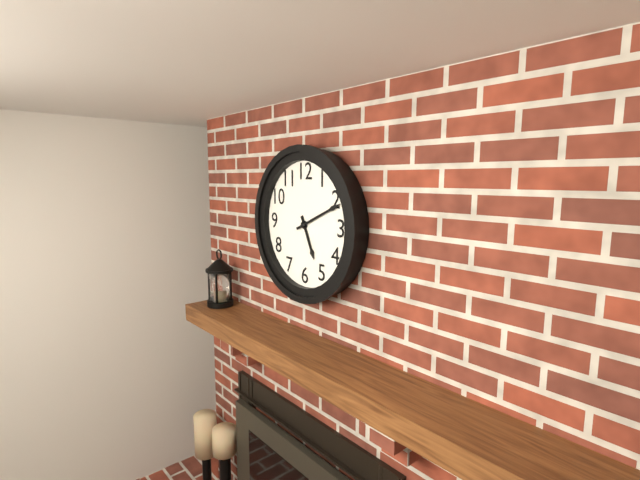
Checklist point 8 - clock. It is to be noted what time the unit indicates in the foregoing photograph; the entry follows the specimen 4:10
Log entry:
5:11
